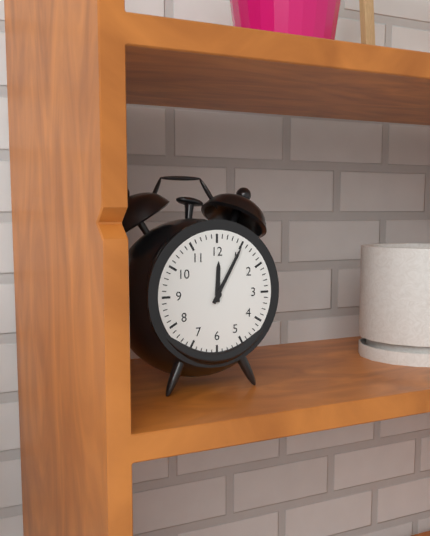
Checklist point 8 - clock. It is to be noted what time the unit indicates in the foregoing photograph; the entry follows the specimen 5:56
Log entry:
12:05
